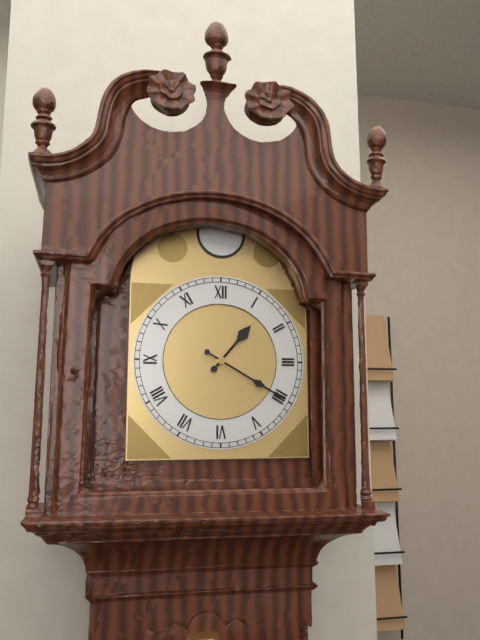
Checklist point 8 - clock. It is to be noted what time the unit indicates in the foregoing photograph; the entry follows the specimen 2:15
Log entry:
1:20
